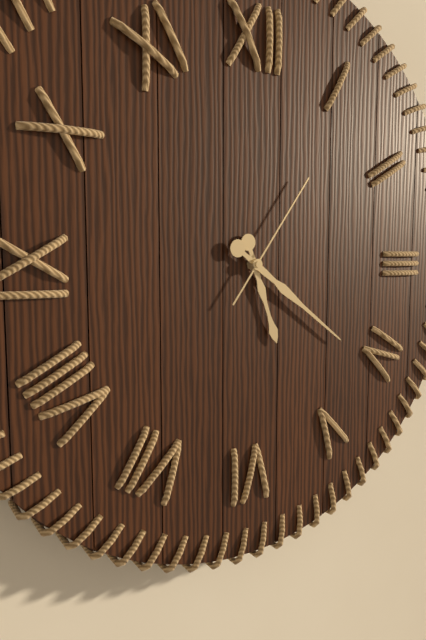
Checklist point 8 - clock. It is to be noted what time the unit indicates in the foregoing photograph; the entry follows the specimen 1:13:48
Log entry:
5:21:06
